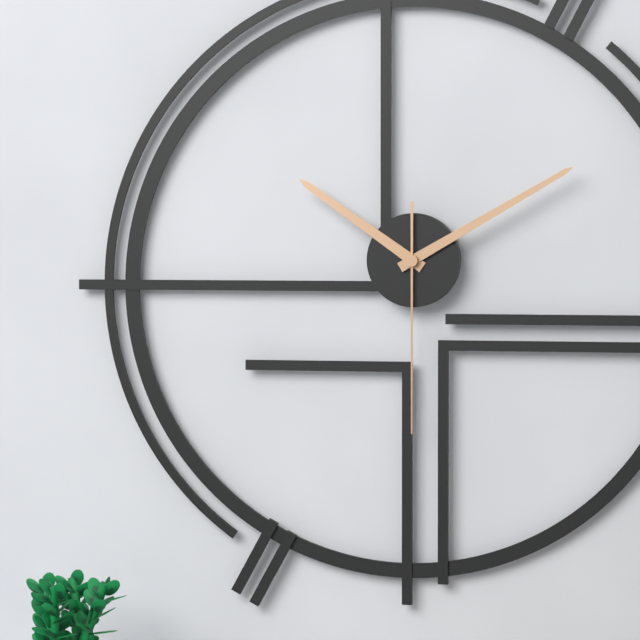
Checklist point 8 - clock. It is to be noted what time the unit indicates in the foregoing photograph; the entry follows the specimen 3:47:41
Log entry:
10:10:30
